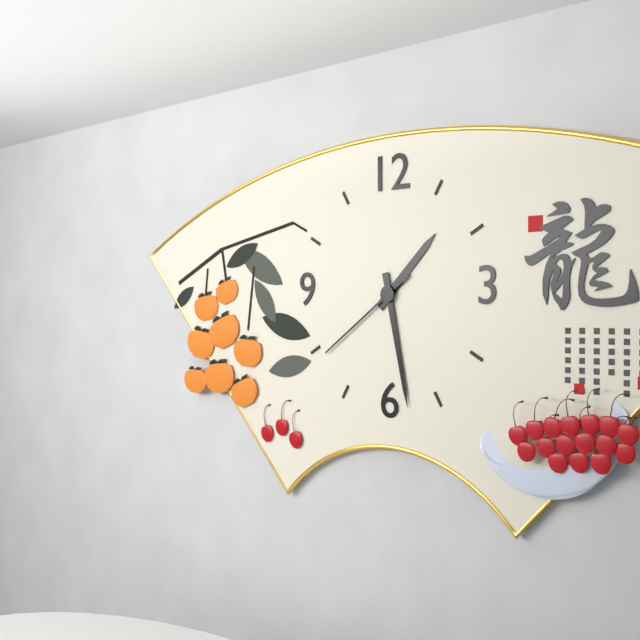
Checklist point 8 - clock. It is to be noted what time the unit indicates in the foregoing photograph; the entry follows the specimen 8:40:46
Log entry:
1:28:39
